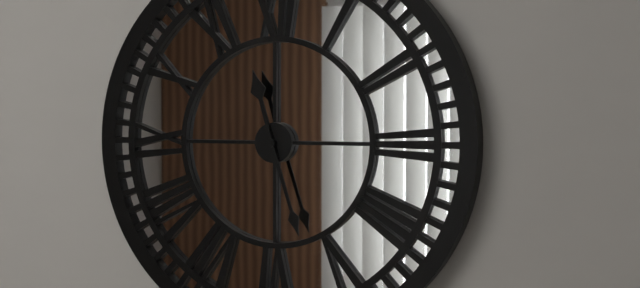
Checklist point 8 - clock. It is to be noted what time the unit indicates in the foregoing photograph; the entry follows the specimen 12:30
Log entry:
11:27
